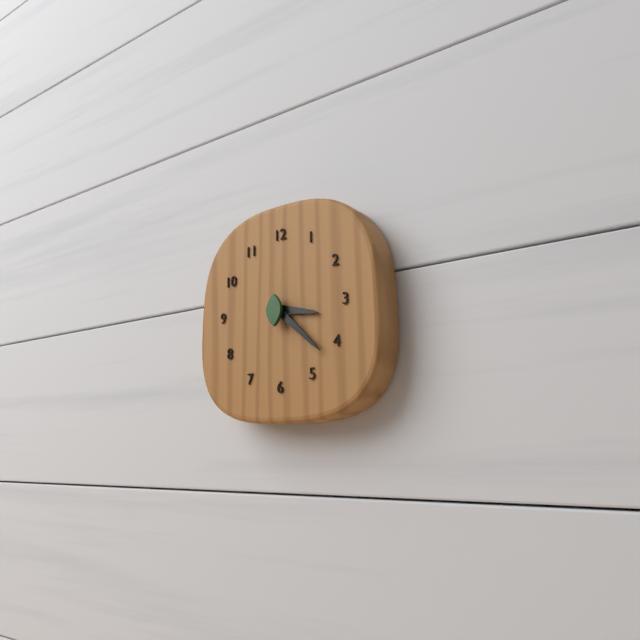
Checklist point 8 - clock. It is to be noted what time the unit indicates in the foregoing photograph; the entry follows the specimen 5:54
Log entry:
3:22
